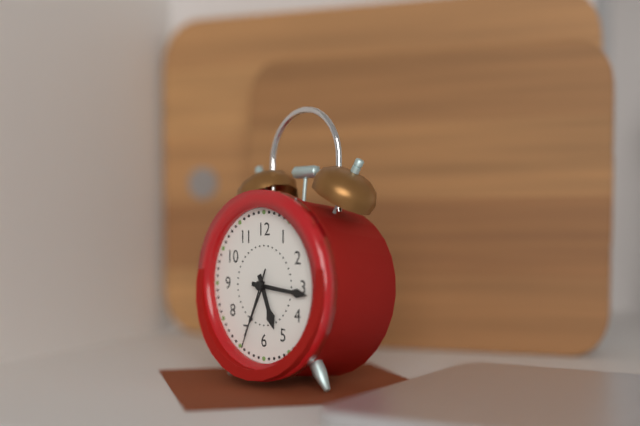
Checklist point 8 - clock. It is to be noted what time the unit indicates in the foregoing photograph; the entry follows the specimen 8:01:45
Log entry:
5:16:34
